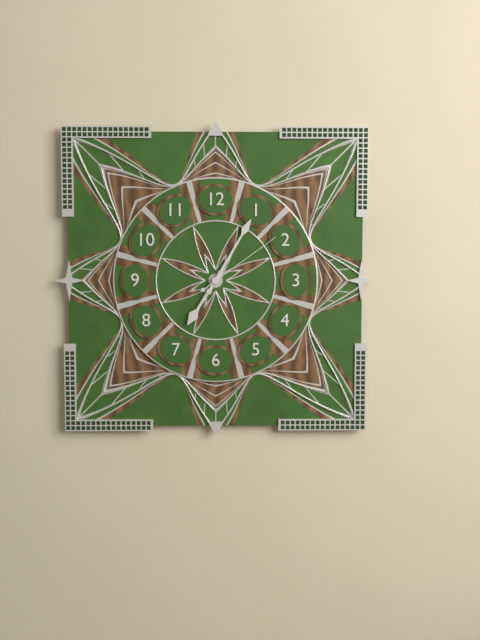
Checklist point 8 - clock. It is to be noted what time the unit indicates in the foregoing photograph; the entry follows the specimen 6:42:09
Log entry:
7:05:09
